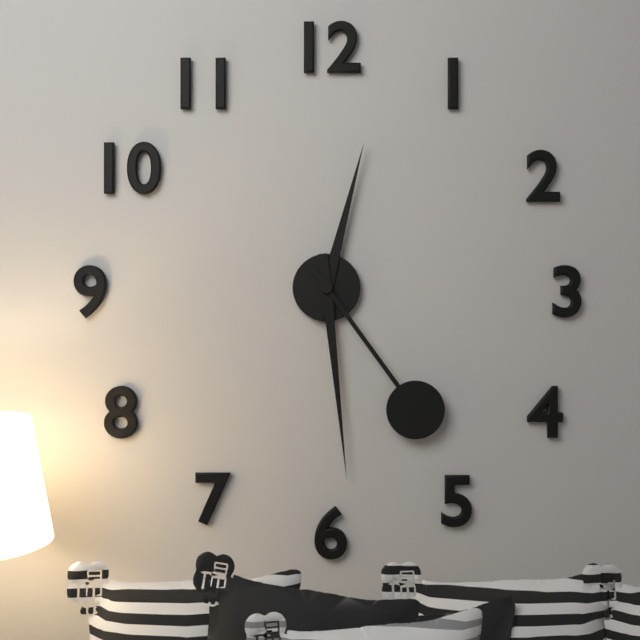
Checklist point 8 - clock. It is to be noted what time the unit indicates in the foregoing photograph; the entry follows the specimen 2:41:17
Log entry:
12:29:24
